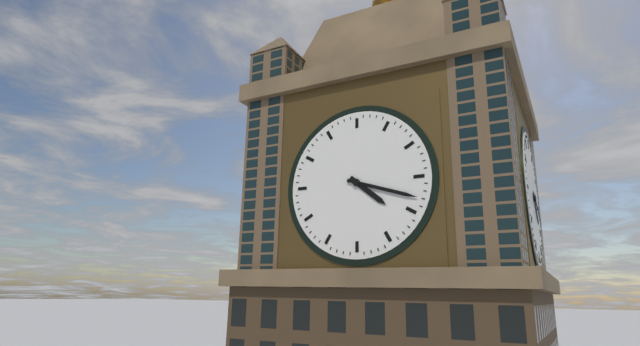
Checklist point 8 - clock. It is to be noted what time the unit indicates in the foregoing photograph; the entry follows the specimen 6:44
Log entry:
4:18
